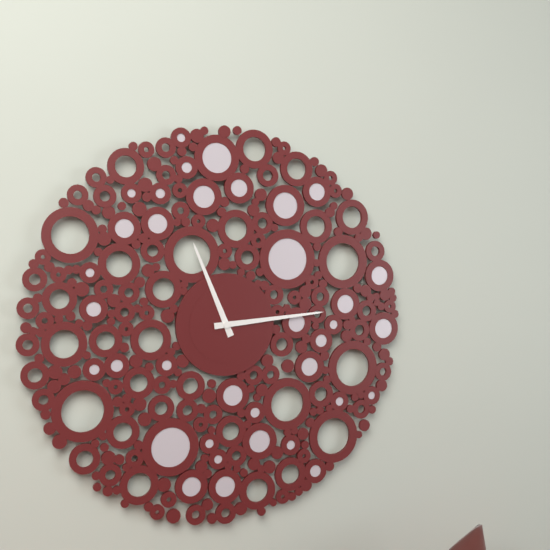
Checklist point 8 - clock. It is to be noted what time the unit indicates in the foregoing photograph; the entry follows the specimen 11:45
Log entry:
11:14
